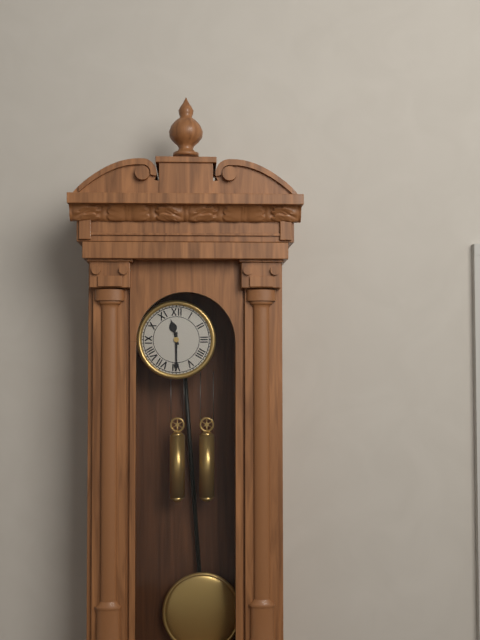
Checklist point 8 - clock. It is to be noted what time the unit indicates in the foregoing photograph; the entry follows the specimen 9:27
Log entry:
11:30
